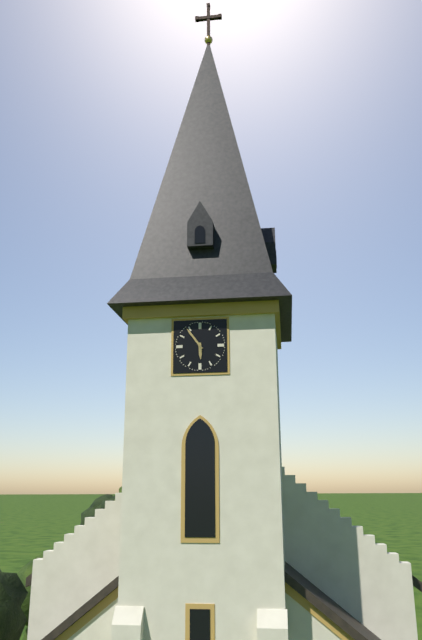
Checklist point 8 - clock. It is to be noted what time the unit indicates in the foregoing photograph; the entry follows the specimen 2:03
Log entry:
5:54
